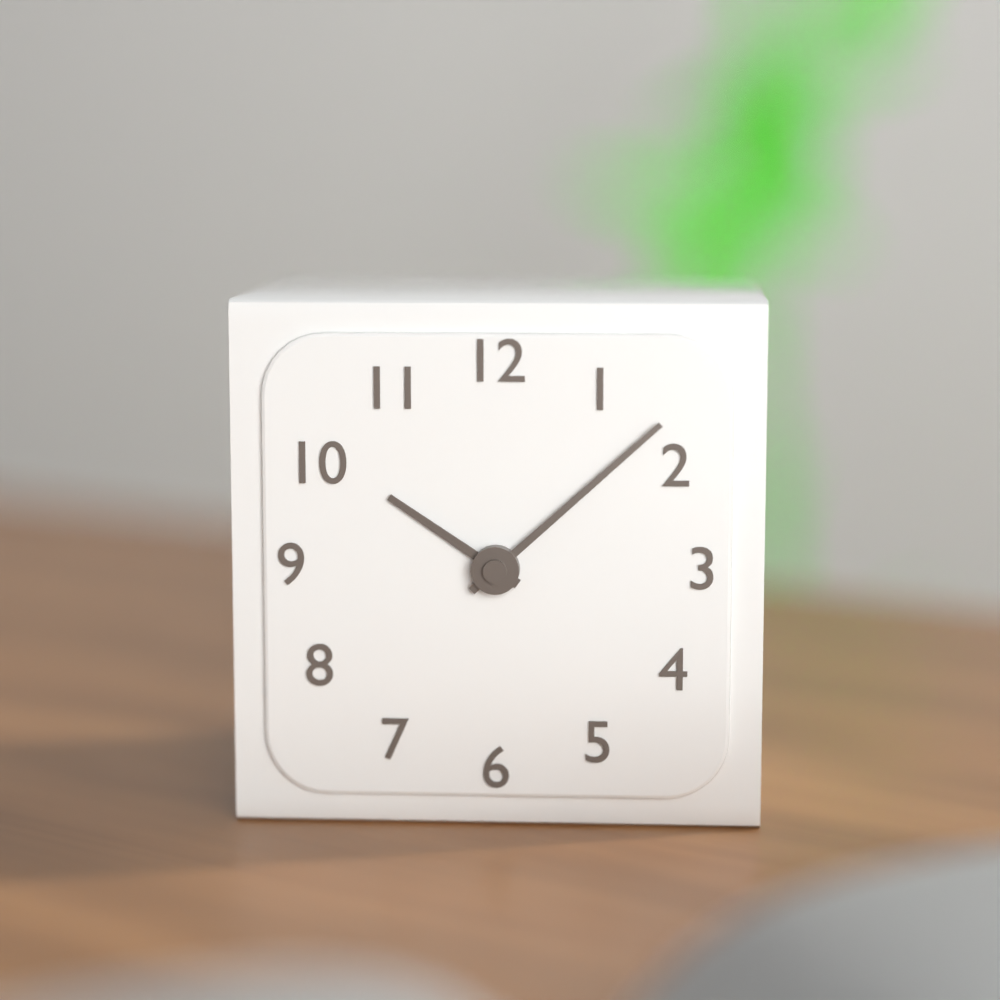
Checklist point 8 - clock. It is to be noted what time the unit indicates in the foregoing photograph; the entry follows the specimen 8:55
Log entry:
10:08
